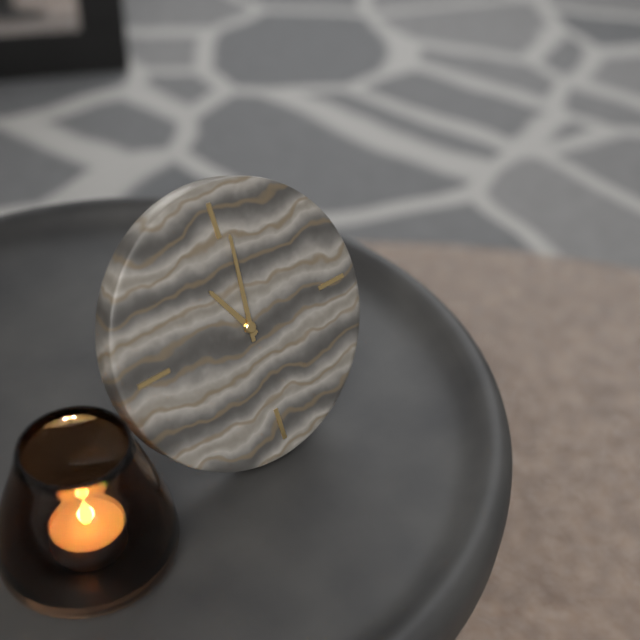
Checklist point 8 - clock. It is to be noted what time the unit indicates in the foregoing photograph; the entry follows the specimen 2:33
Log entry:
11:01
